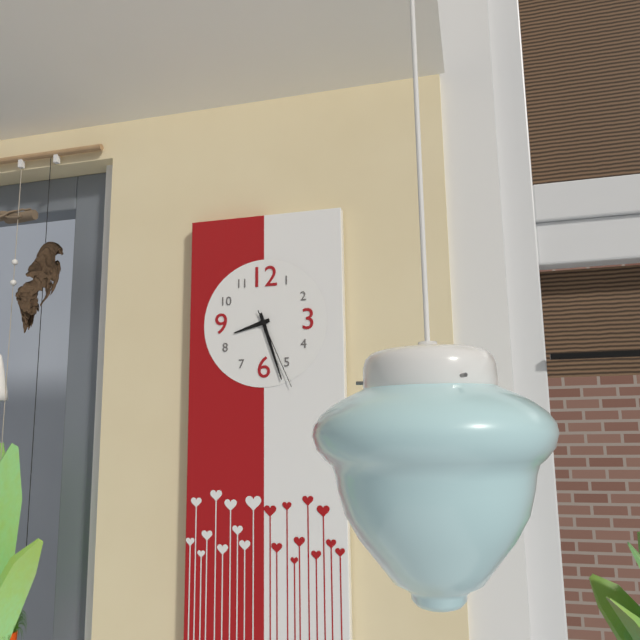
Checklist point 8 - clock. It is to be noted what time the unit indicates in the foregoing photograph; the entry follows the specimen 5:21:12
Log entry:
8:27:26
